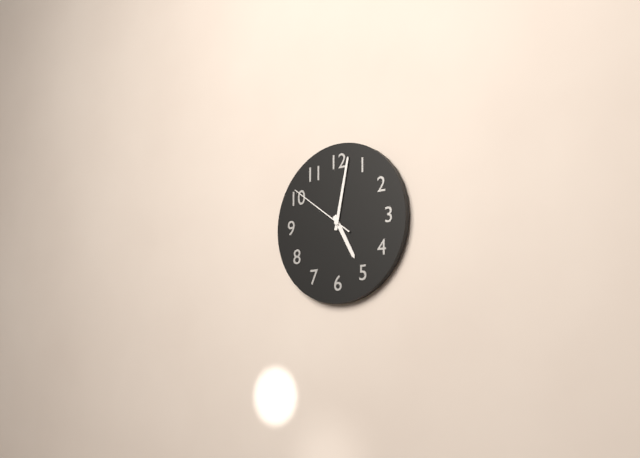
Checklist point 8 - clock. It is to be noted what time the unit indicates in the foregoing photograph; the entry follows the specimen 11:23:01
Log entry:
5:02:51
